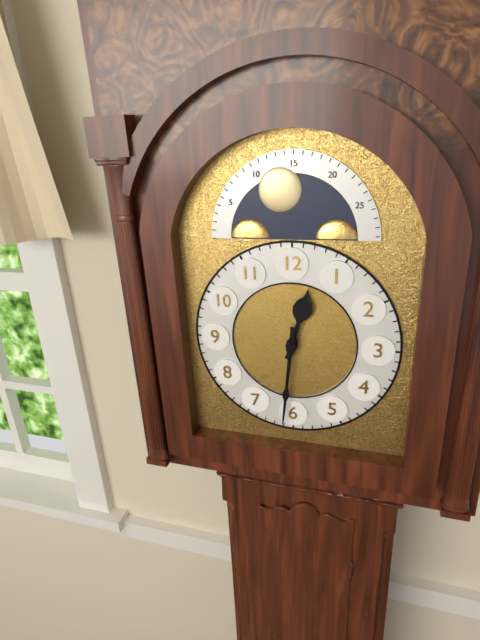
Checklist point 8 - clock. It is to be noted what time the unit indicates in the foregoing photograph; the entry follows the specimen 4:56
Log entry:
12:31
